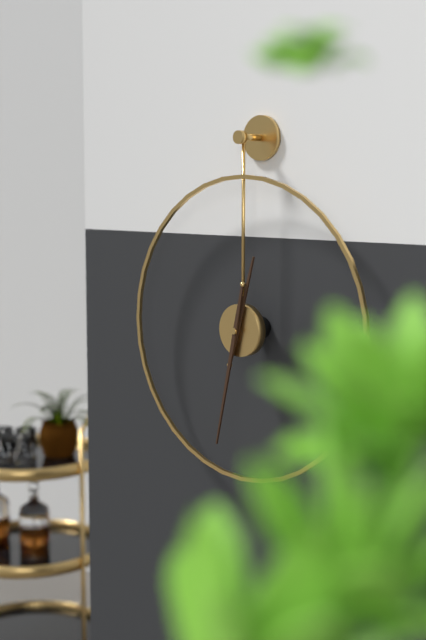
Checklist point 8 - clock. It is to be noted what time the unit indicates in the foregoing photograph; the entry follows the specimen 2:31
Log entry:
12:32
